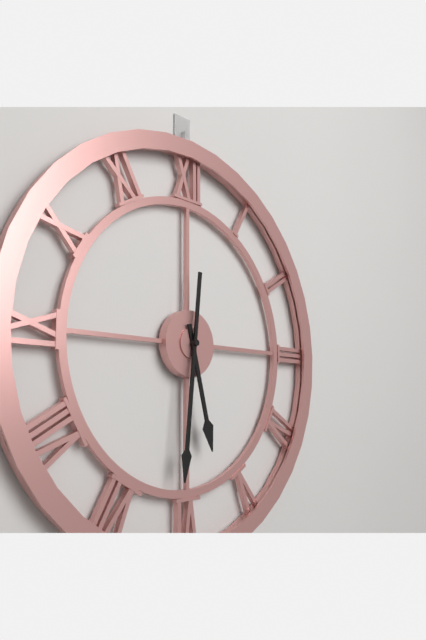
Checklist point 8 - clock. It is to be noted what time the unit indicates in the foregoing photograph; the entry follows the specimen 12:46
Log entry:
5:31
